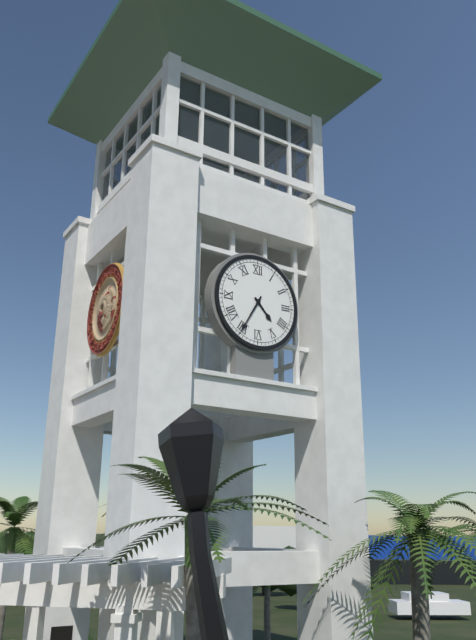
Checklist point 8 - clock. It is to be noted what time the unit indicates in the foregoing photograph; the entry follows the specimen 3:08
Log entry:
4:35
